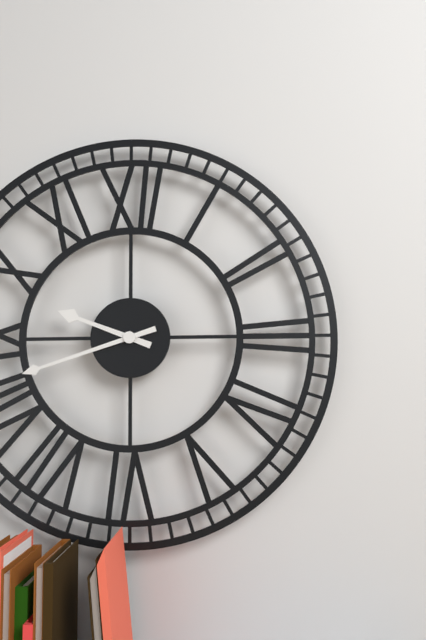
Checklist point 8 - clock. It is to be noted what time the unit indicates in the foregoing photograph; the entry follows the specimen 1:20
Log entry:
9:42
